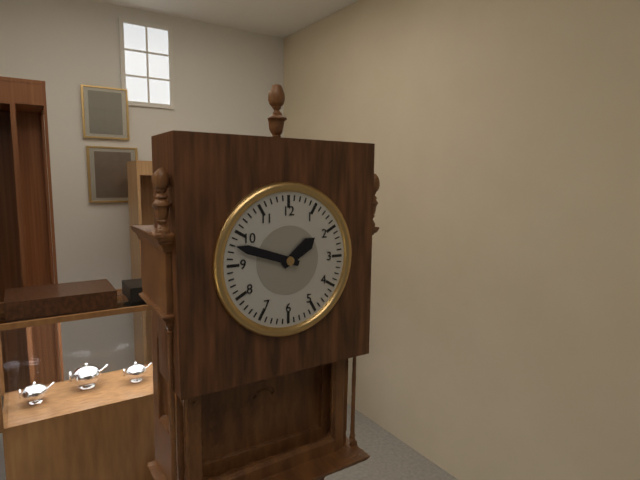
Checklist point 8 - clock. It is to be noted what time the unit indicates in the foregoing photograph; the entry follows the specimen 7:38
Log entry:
1:48
